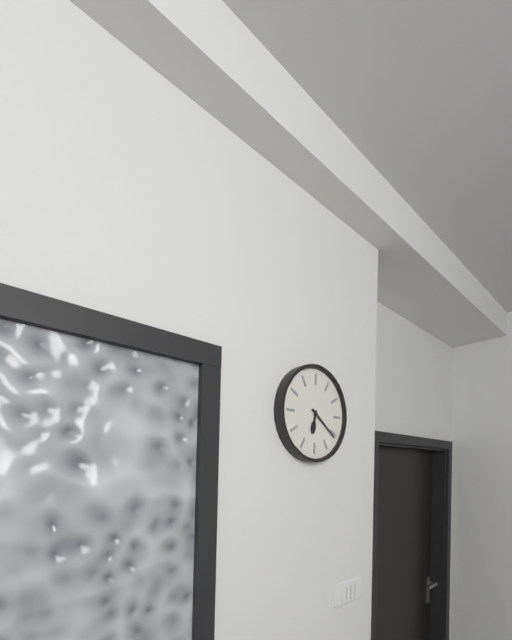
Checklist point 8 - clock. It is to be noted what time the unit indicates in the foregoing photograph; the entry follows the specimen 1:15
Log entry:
6:21
